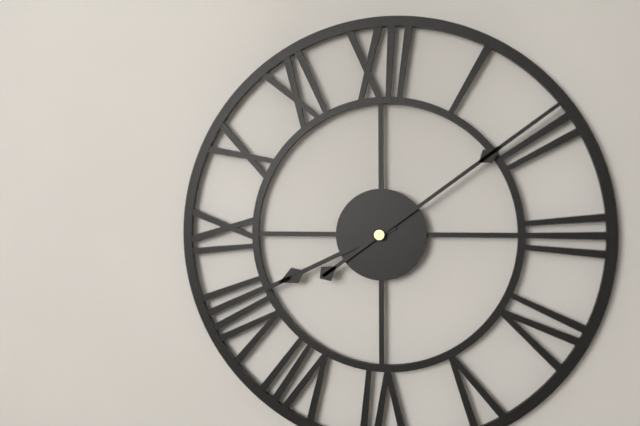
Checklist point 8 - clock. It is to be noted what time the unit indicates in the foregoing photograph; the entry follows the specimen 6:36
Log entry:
8:09
